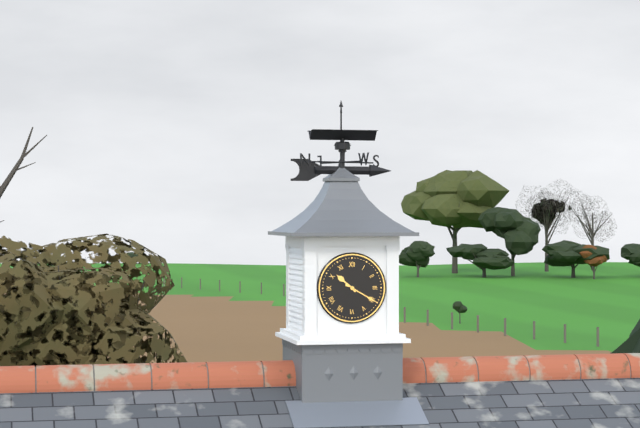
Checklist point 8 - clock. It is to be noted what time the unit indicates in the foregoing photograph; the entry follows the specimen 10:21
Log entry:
10:20
